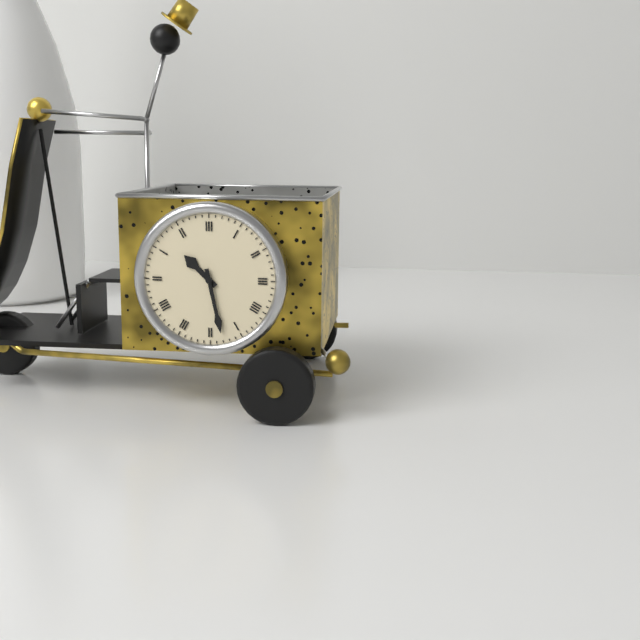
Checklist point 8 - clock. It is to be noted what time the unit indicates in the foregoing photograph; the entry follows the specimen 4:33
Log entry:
10:28
